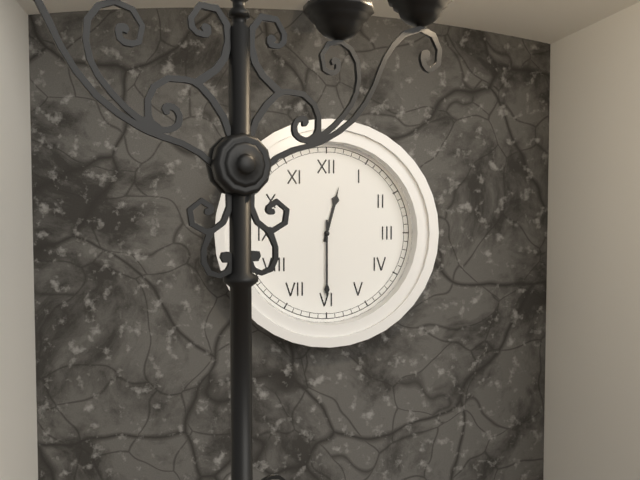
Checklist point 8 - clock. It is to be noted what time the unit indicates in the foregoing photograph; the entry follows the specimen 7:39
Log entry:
12:30
